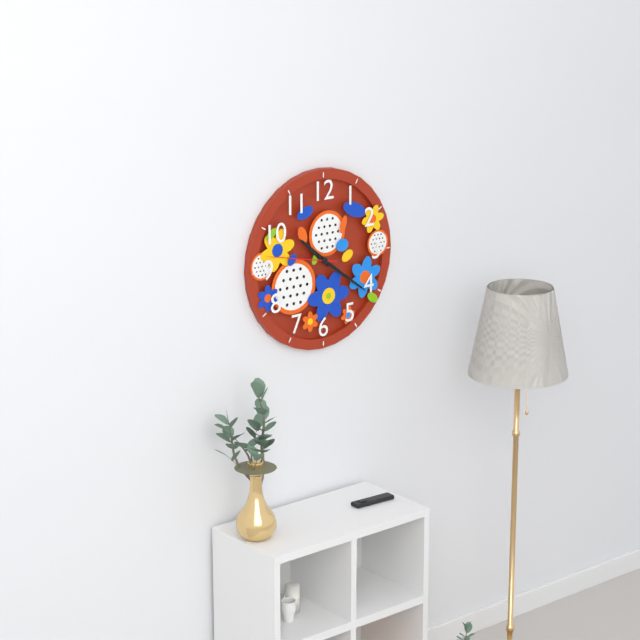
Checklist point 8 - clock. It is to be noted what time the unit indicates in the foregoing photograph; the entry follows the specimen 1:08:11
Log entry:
10:21:47
